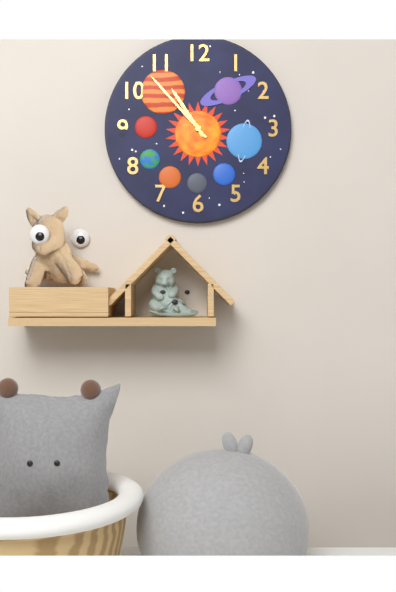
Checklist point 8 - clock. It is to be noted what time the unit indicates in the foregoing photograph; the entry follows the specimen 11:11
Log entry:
10:53
